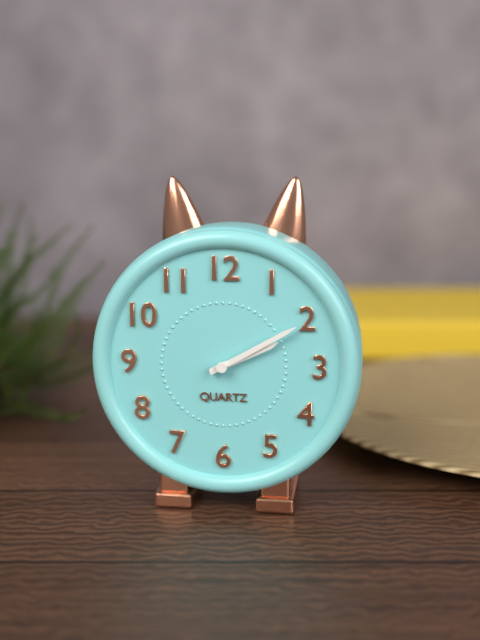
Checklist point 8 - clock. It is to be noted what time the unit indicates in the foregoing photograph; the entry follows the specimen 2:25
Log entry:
2:10
